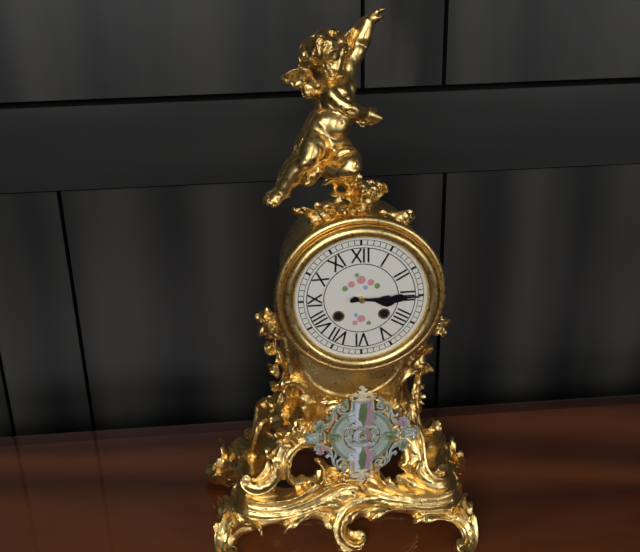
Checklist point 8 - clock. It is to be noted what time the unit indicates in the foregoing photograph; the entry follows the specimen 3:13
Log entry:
3:15
